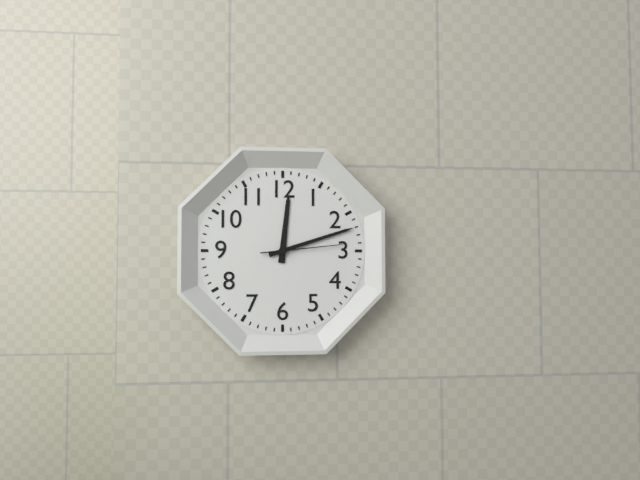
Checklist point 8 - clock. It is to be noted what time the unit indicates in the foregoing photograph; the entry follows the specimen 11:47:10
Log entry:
12:12:14
